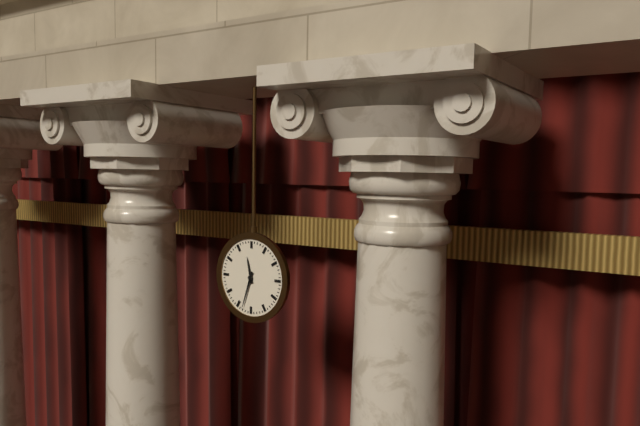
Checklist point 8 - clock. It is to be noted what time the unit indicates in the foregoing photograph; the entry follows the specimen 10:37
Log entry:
11:33
